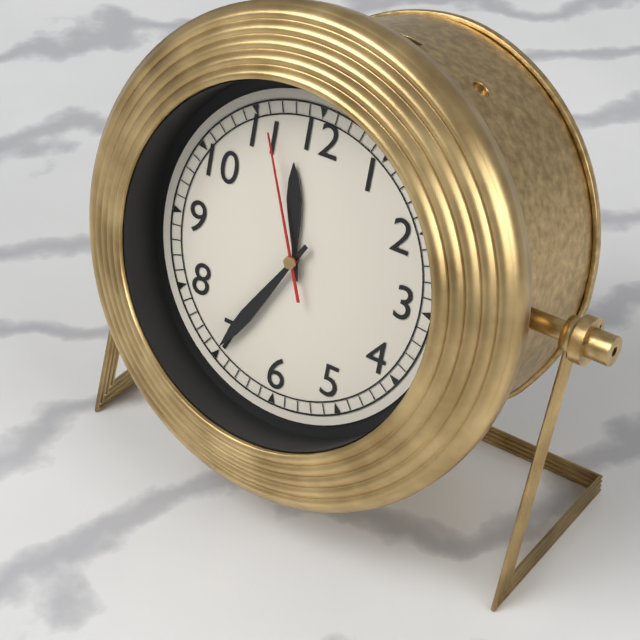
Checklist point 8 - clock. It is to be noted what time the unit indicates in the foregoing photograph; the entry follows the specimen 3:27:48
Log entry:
11:35:56
